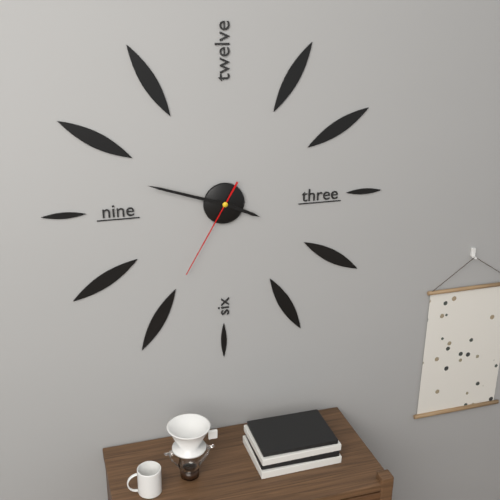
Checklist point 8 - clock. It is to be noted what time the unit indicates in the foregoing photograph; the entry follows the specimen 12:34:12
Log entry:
3:48:35
